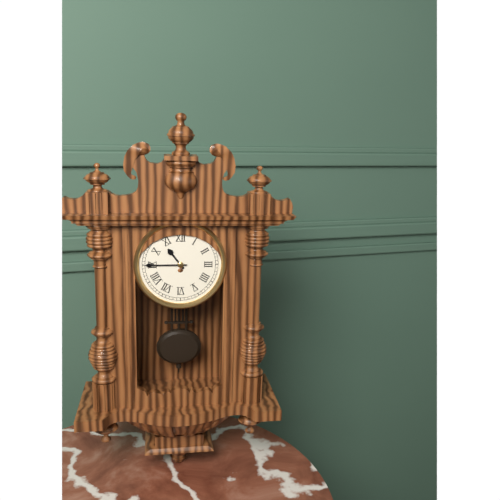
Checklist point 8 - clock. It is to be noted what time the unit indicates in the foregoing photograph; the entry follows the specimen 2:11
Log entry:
10:45
